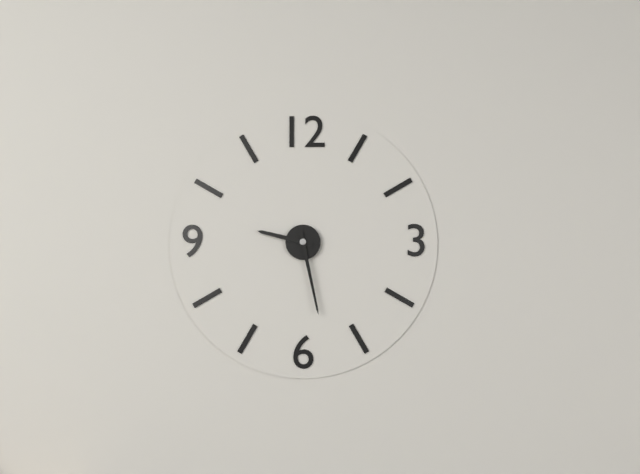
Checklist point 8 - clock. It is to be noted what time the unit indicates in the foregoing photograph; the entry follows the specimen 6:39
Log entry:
9:28
